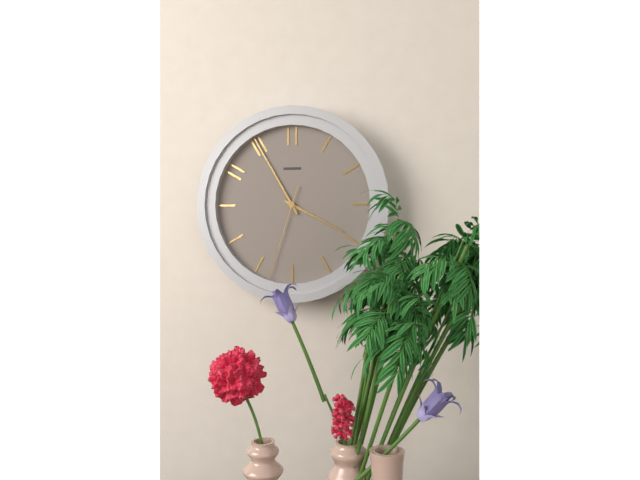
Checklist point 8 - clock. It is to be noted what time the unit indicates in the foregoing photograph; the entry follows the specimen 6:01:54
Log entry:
3:55:33
